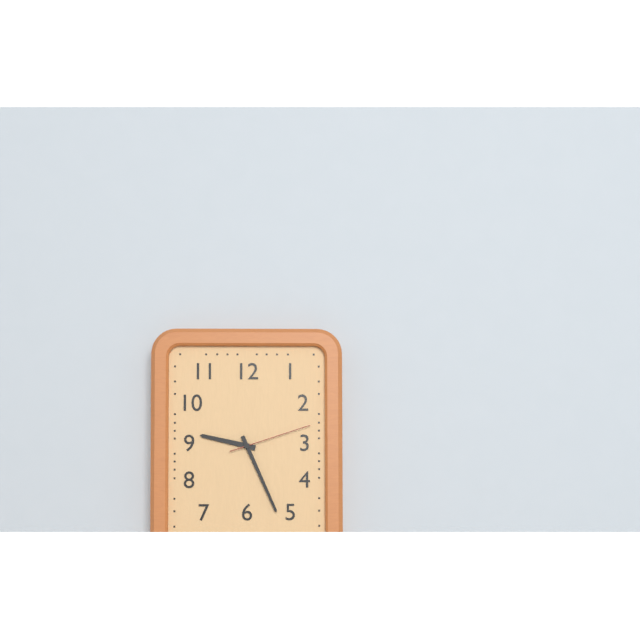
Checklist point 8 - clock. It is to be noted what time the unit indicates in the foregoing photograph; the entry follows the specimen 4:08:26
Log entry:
9:26:12
